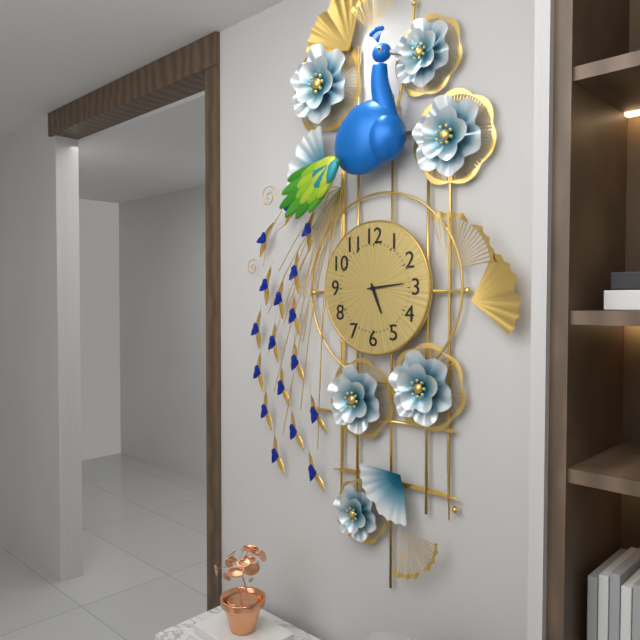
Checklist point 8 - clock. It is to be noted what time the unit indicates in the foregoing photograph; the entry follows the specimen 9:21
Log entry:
5:14
